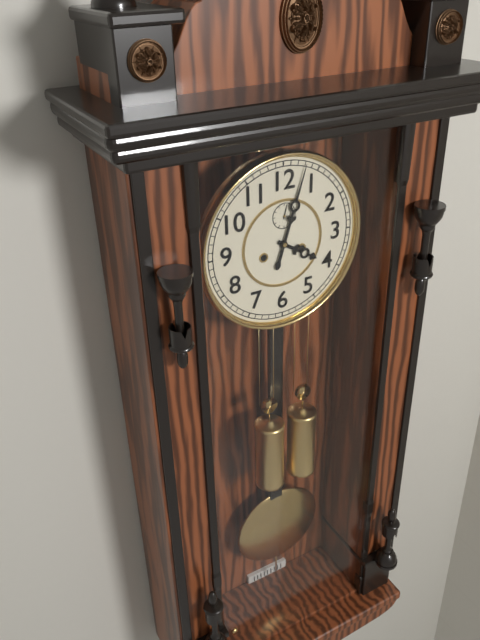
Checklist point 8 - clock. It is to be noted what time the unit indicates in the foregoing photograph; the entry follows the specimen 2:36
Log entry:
4:03
